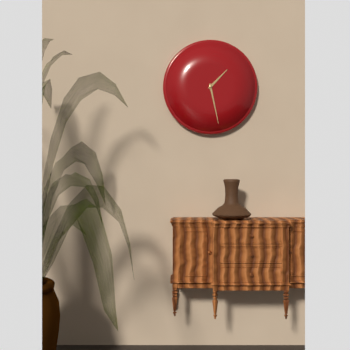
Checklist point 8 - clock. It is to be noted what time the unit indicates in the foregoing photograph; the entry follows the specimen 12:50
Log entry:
1:28
